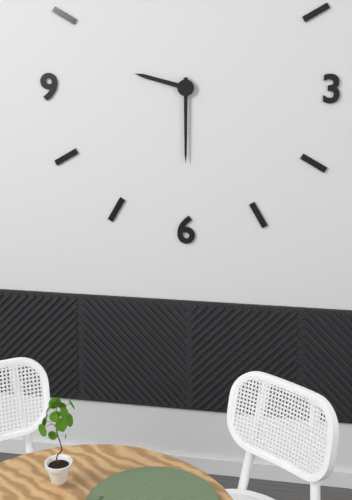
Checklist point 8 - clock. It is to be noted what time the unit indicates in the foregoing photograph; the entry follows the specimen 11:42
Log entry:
9:30
